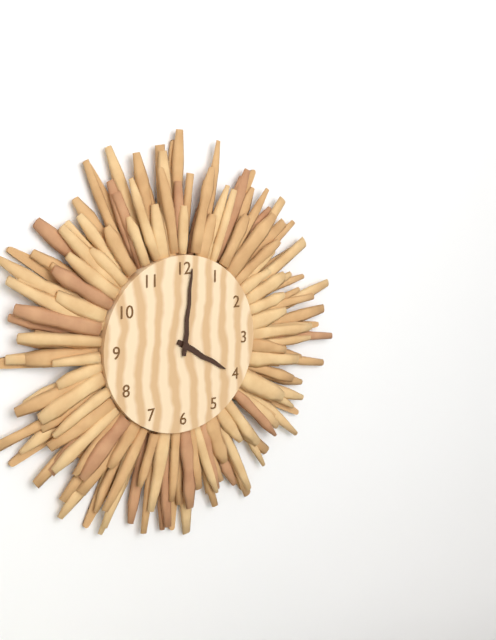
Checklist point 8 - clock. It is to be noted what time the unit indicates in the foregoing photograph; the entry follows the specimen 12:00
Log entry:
4:01
